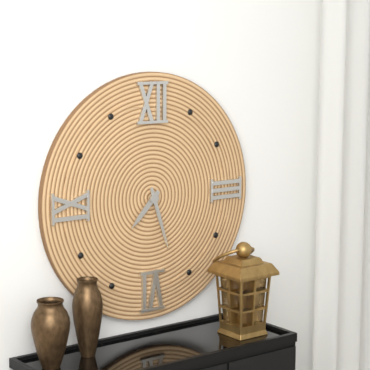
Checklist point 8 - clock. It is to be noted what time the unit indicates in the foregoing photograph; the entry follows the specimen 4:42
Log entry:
7:27
